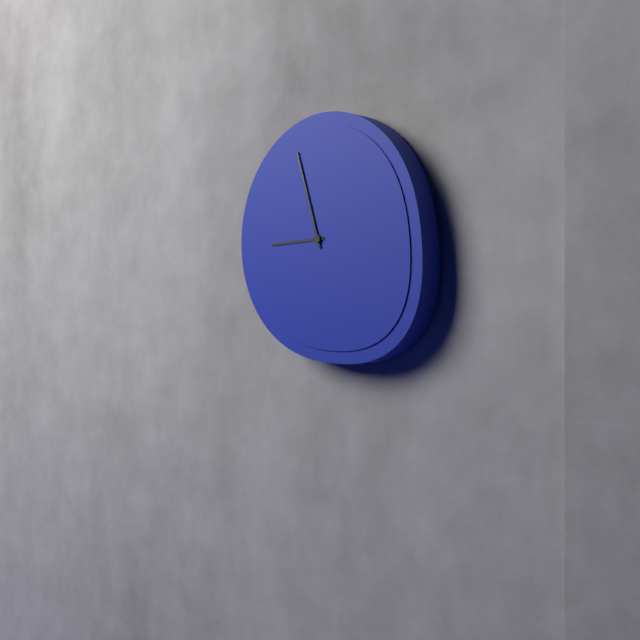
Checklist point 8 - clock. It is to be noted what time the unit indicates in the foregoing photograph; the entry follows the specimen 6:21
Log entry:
8:57
